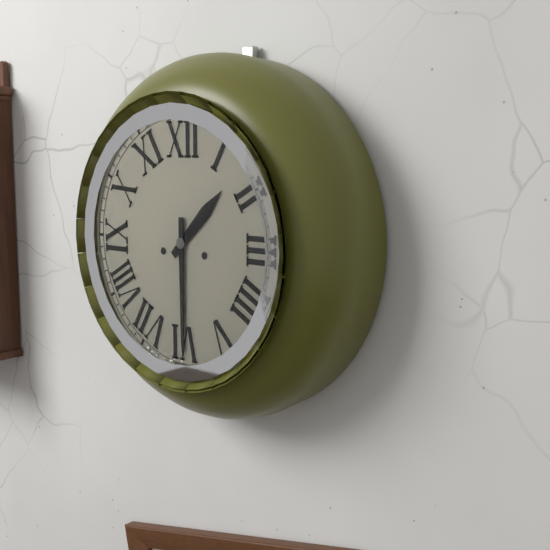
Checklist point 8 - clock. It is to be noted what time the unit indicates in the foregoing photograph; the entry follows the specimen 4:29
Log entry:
1:30
